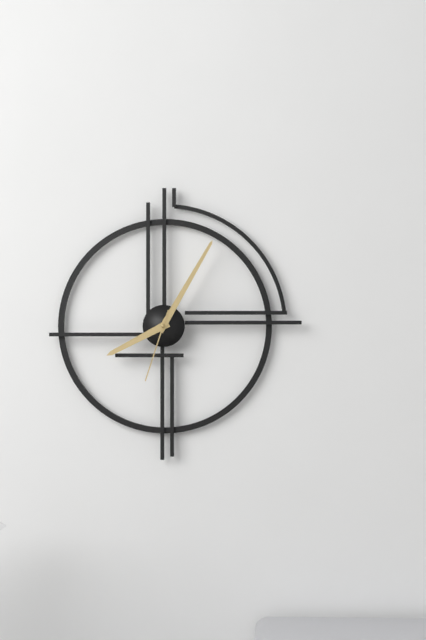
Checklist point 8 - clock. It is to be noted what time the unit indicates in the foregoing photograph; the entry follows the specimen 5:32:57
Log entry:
8:05:33
